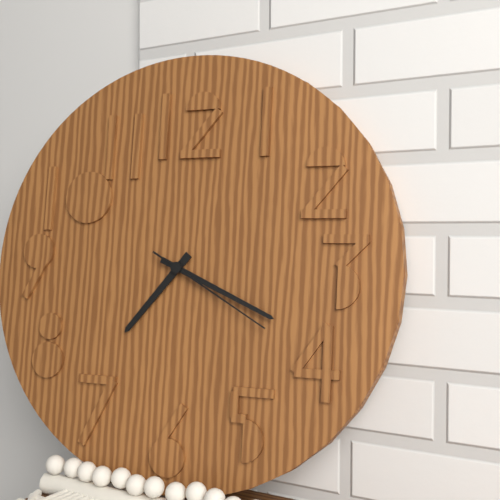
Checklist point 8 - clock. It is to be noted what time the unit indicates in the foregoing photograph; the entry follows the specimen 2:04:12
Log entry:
7:19:20
